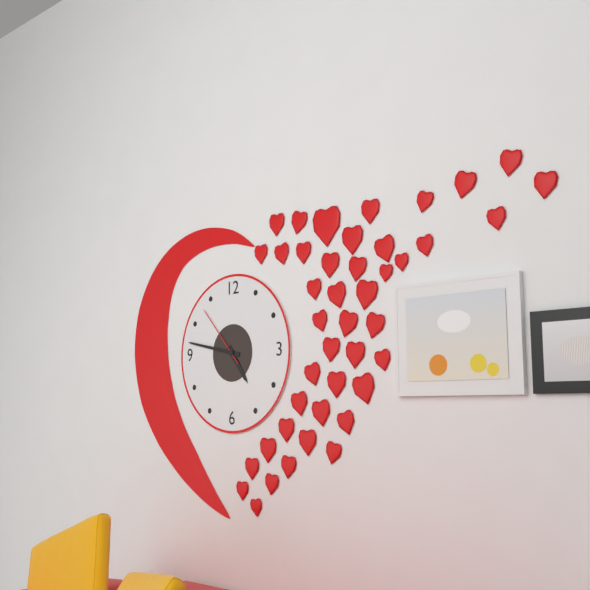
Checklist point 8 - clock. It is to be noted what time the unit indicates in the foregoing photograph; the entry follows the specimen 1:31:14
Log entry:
4:47:53
